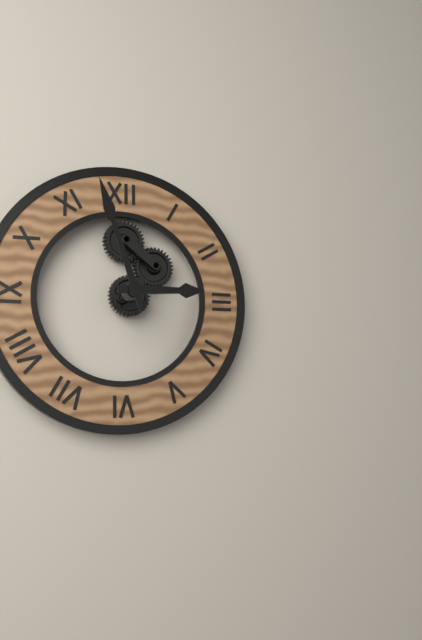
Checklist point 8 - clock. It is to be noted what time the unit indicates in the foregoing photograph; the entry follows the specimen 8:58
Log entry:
2:57
